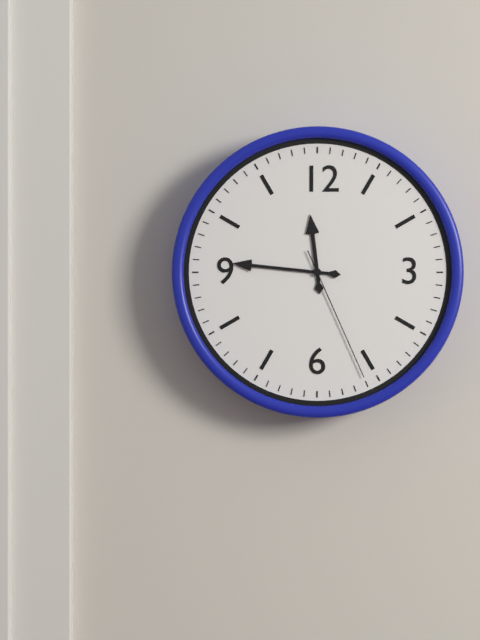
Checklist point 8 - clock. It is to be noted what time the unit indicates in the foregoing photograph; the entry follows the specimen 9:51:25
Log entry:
11:46:26
